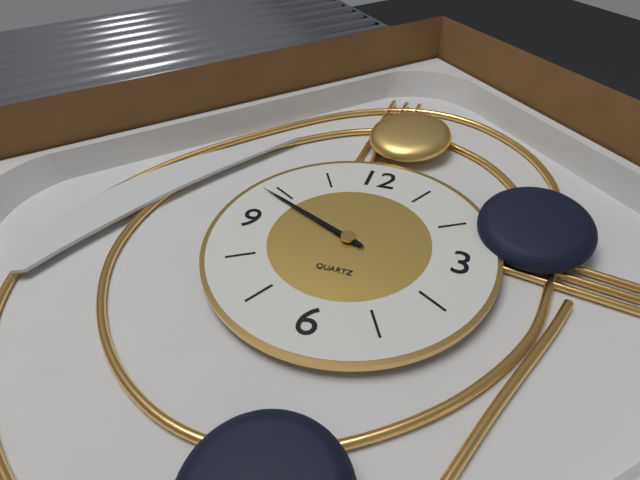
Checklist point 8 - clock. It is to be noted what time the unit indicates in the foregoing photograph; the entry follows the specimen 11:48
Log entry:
9:49
